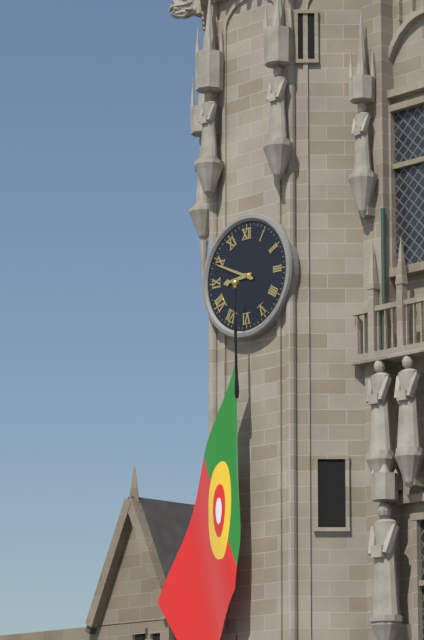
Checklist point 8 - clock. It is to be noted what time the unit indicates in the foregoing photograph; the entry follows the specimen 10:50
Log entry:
8:49
